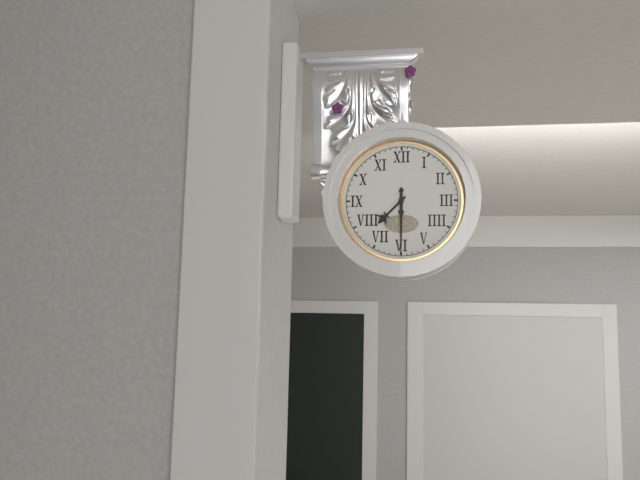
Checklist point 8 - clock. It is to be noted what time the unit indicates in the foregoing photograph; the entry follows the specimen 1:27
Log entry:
7:30
